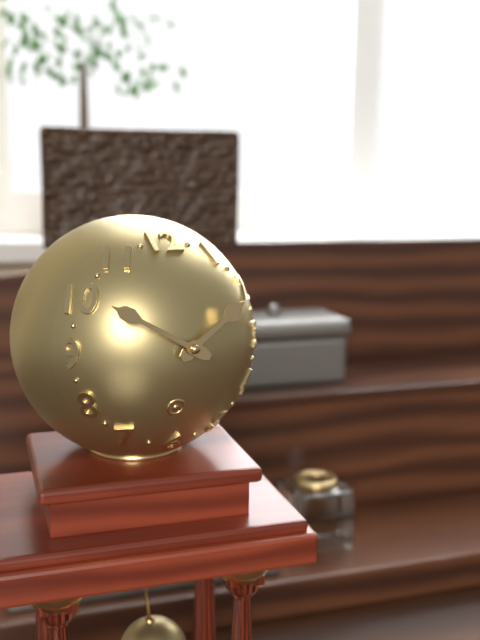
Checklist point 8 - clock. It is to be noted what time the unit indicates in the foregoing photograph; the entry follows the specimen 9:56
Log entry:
1:50
